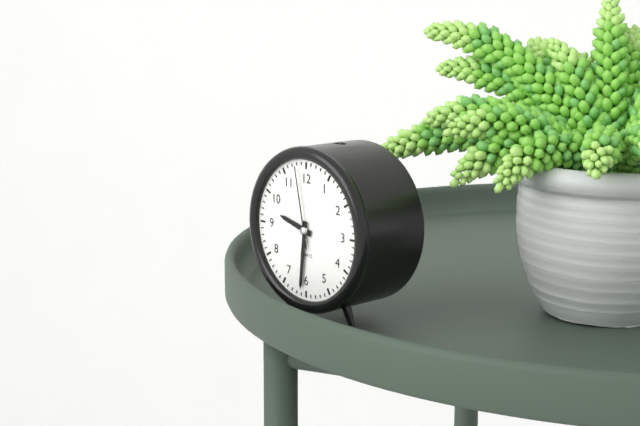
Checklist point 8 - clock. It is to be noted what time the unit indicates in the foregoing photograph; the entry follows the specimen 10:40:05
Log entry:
9:31:58
